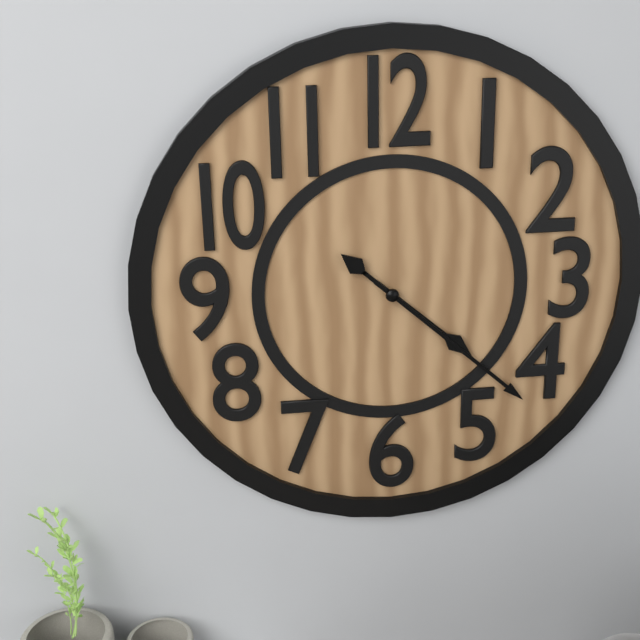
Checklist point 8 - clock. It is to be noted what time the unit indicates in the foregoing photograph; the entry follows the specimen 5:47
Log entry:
4:22
